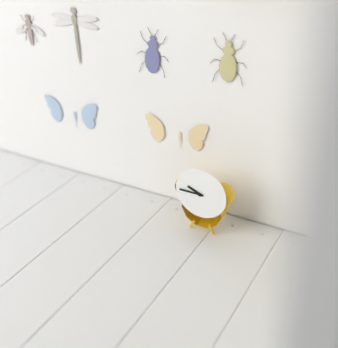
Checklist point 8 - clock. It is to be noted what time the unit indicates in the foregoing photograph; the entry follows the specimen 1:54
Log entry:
9:45
